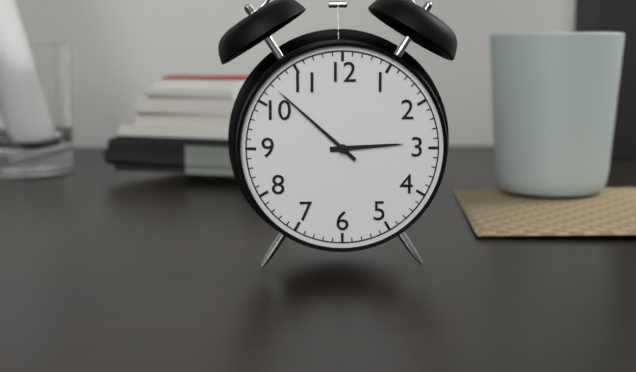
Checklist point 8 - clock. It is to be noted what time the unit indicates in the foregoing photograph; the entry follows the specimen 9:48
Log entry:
2:52
